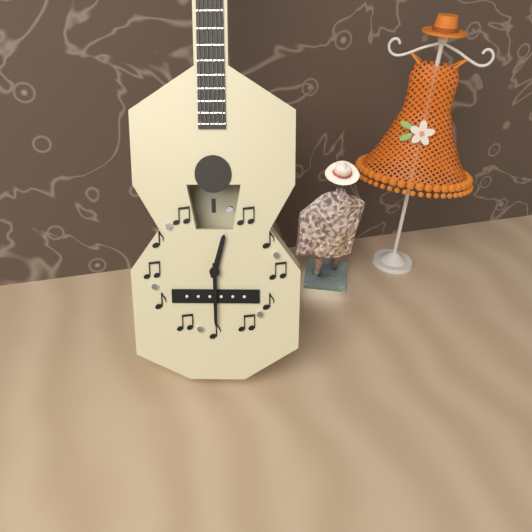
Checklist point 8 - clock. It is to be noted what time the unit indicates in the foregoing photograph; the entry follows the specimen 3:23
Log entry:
12:30
